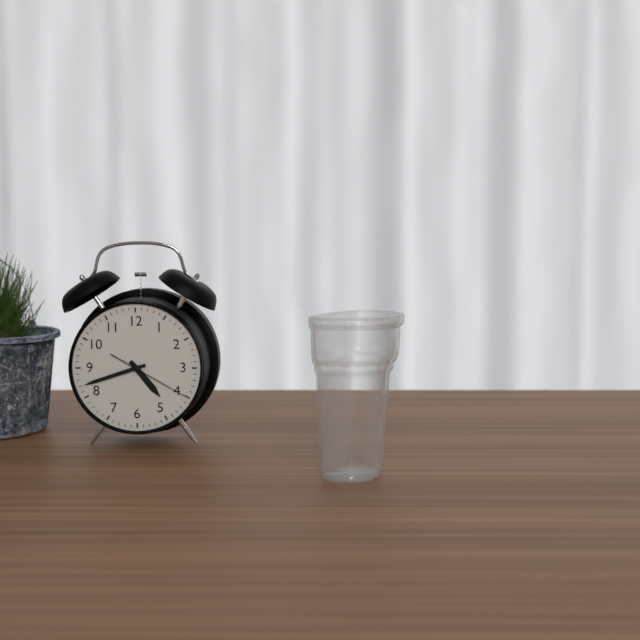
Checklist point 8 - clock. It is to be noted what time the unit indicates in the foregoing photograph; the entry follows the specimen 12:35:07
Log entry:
4:42:20
